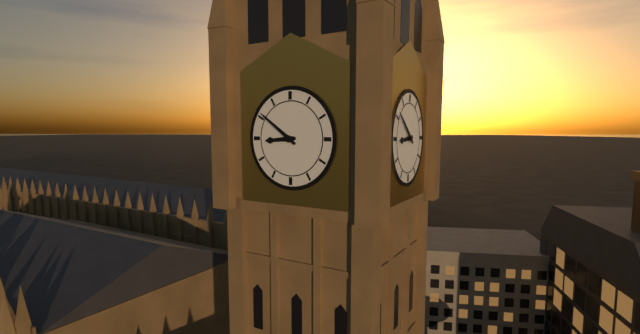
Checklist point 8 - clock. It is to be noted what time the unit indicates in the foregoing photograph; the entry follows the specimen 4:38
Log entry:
8:51
